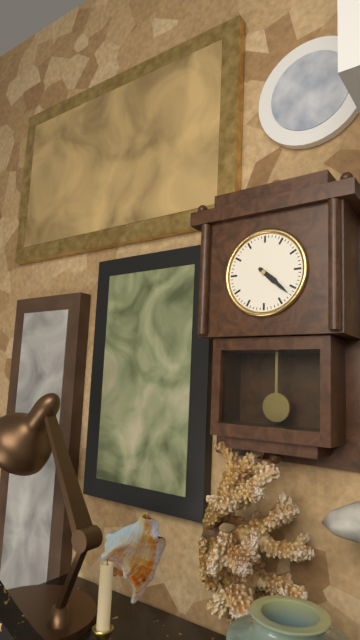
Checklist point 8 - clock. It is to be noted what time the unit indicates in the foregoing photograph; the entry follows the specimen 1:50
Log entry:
4:22
